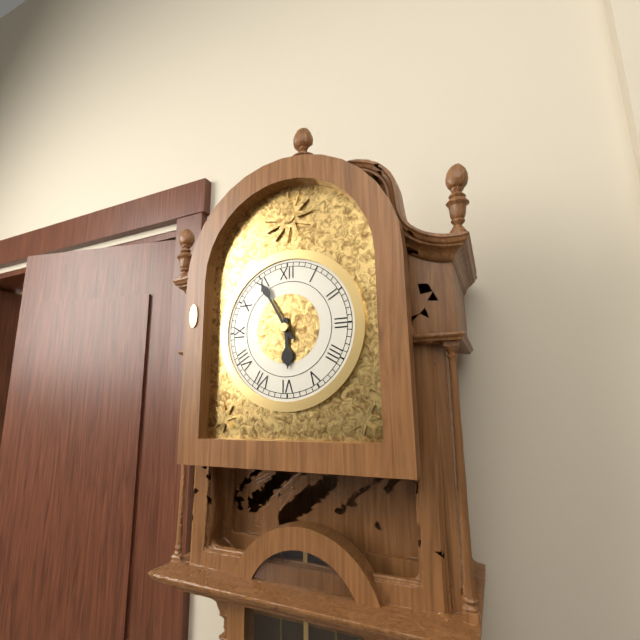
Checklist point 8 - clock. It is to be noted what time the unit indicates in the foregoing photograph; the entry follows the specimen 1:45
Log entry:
5:55
